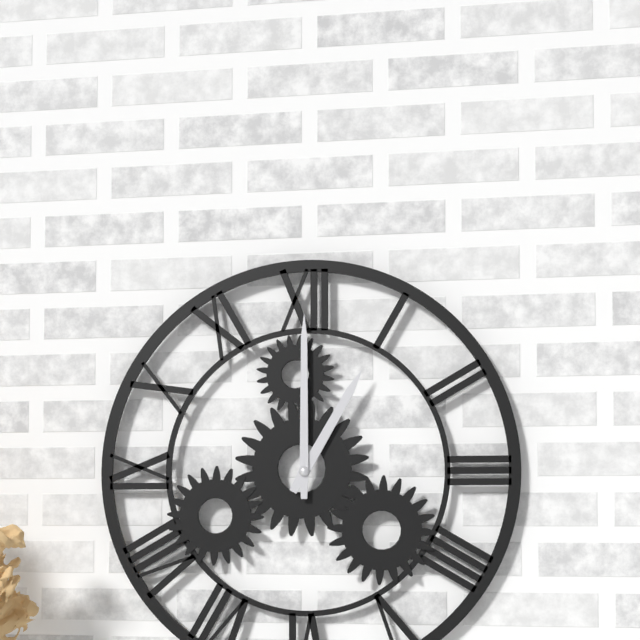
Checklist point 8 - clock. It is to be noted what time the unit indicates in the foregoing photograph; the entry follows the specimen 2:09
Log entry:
1:00
